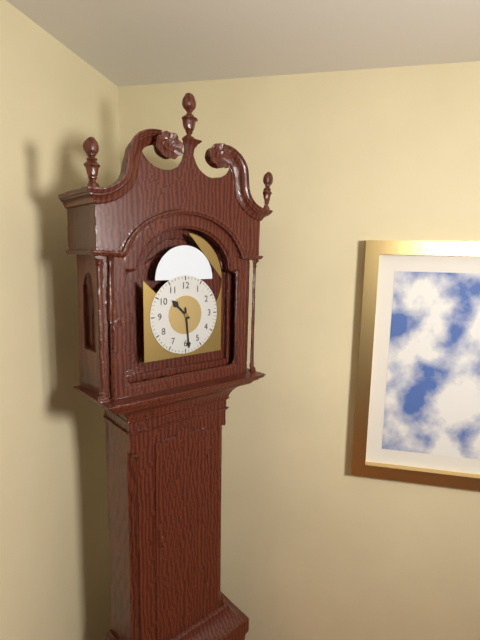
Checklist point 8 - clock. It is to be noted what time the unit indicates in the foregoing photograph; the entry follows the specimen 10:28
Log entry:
10:29
